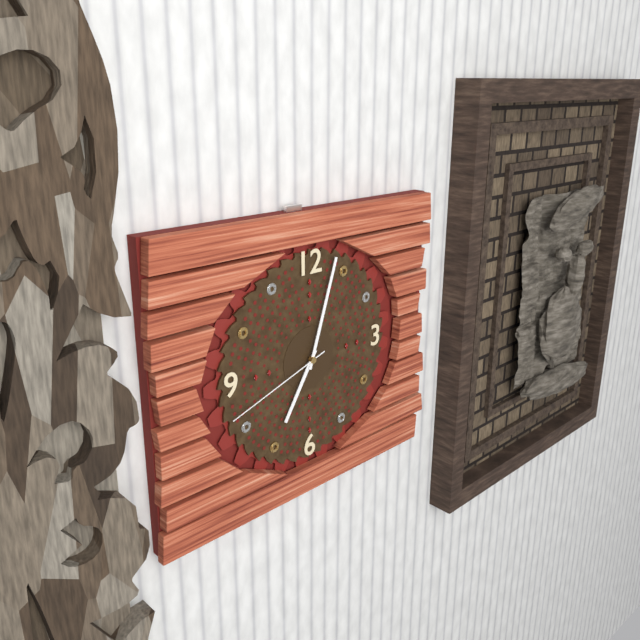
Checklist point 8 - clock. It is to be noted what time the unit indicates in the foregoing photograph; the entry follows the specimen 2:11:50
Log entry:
7:03:42
